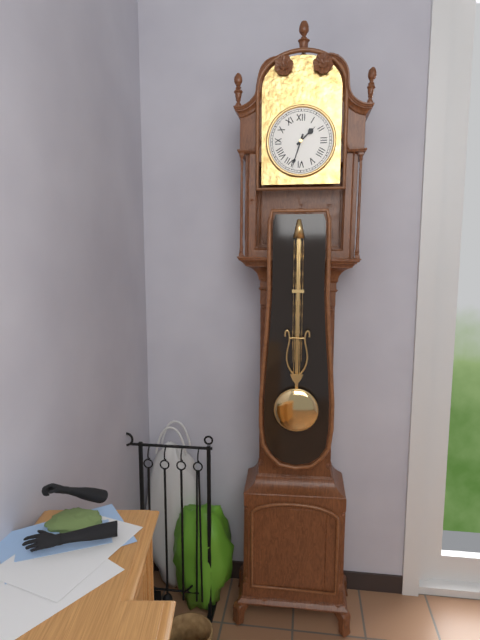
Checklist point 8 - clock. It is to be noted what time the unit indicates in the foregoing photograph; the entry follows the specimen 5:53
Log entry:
1:33
